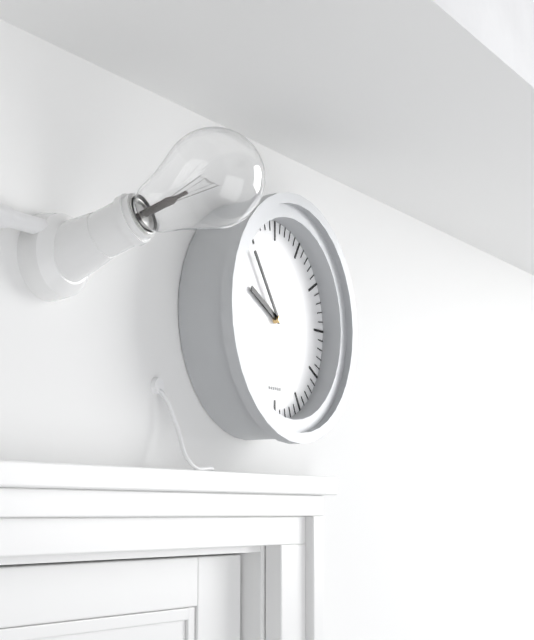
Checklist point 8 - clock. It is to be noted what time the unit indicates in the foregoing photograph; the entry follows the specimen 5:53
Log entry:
9:54
